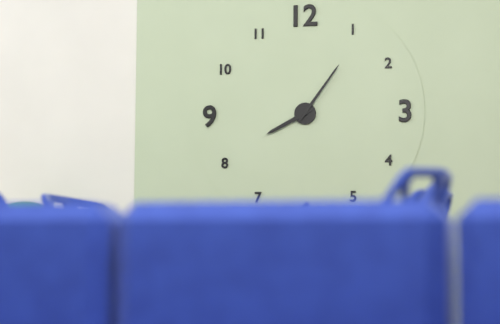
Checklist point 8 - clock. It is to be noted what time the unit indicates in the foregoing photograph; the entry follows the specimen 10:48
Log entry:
8:06
